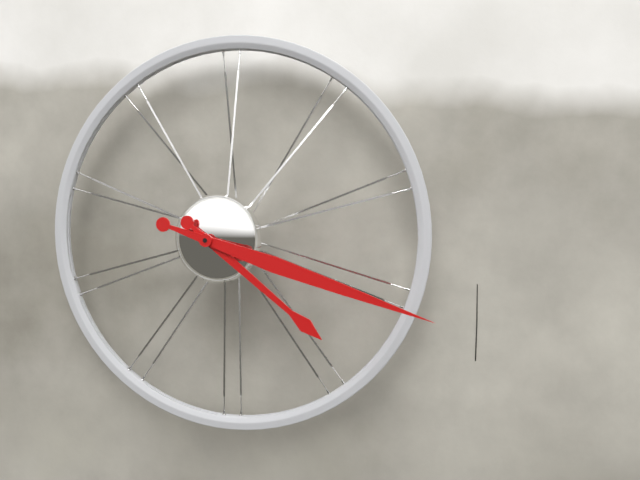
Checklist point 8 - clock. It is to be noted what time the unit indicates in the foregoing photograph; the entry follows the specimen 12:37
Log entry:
4:18
